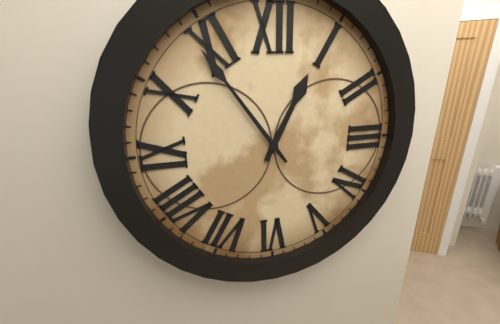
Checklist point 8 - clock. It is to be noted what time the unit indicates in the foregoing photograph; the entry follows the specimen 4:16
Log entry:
12:54
